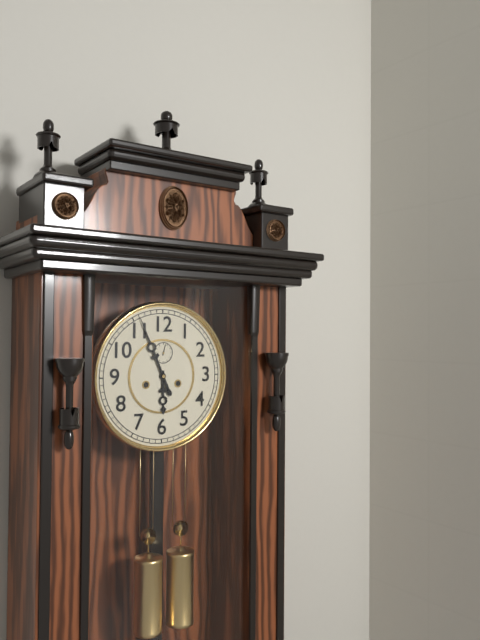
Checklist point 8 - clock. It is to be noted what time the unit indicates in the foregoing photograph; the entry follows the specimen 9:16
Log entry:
5:56
